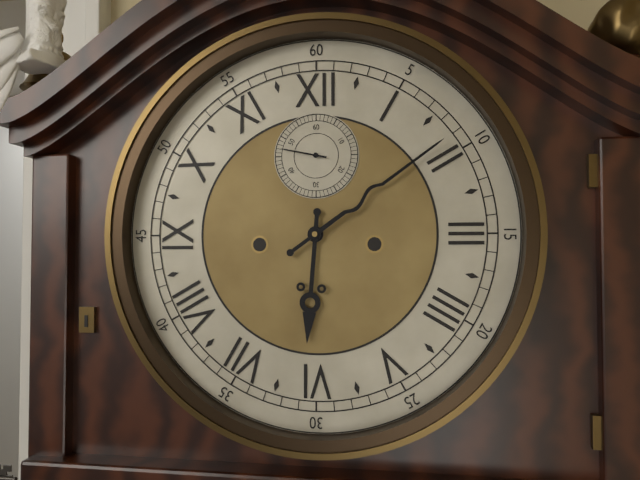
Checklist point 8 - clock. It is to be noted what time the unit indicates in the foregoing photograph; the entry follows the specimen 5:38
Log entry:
6:09
